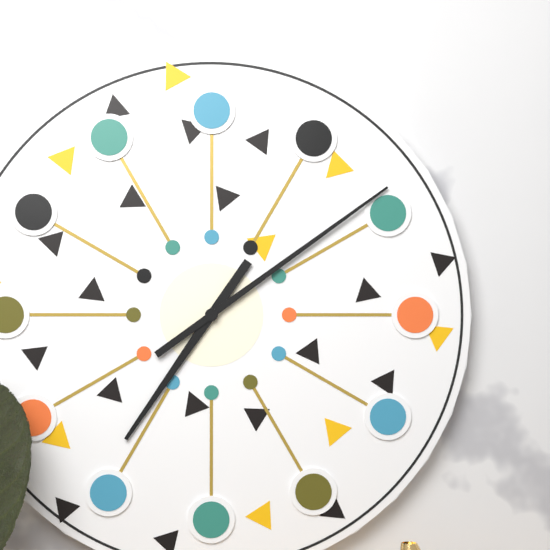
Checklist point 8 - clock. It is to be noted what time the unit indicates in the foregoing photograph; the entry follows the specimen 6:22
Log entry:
7:09
